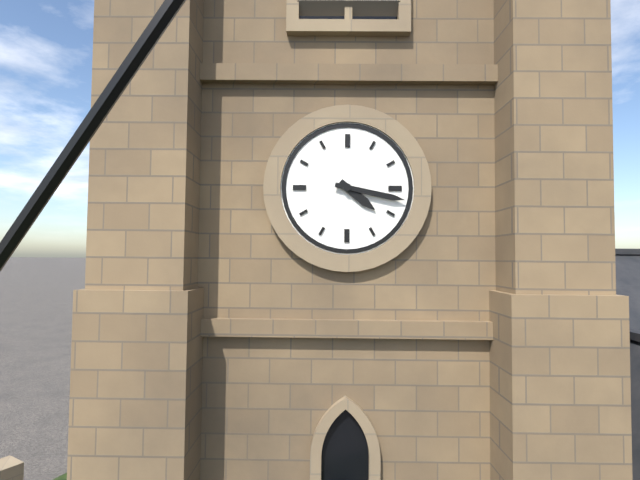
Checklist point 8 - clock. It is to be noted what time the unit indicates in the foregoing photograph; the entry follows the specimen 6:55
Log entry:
4:17
